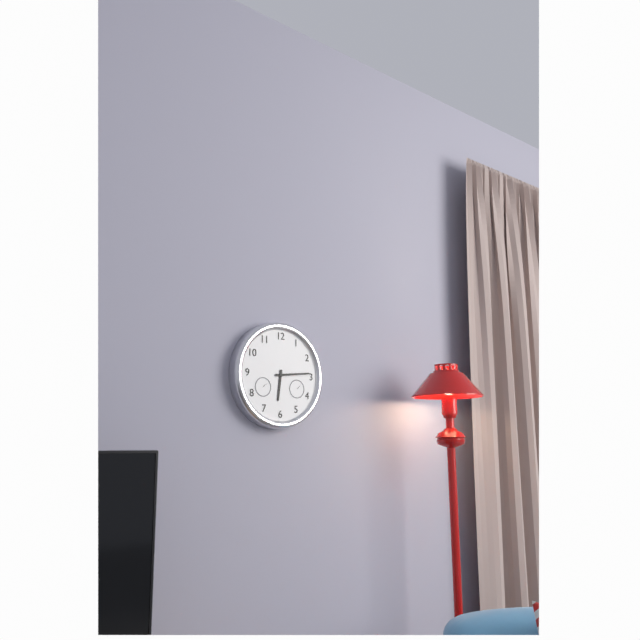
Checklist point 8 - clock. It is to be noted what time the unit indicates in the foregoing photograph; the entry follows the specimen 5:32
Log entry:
6:14
